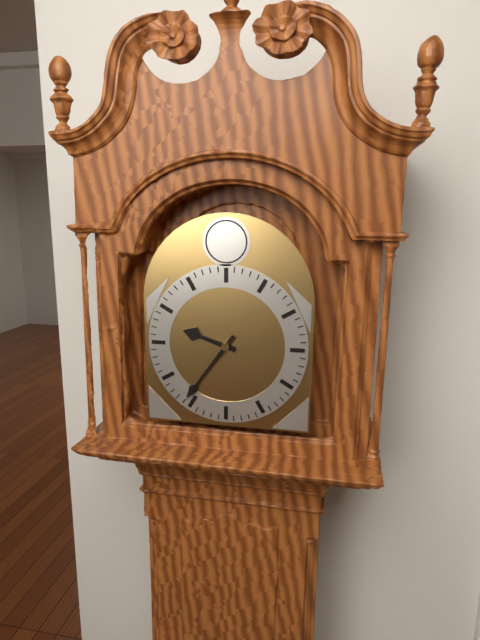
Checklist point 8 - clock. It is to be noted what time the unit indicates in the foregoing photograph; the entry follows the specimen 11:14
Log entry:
9:36
